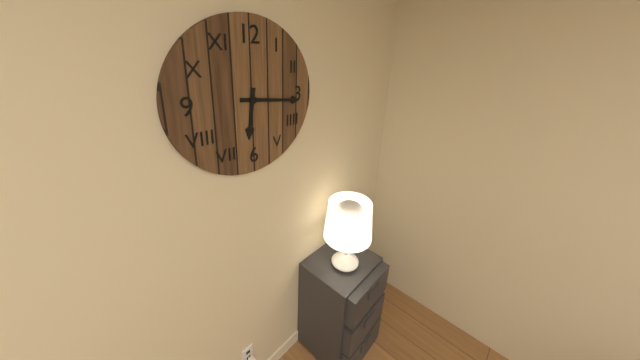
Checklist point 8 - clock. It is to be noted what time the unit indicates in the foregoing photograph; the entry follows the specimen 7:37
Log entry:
6:16
